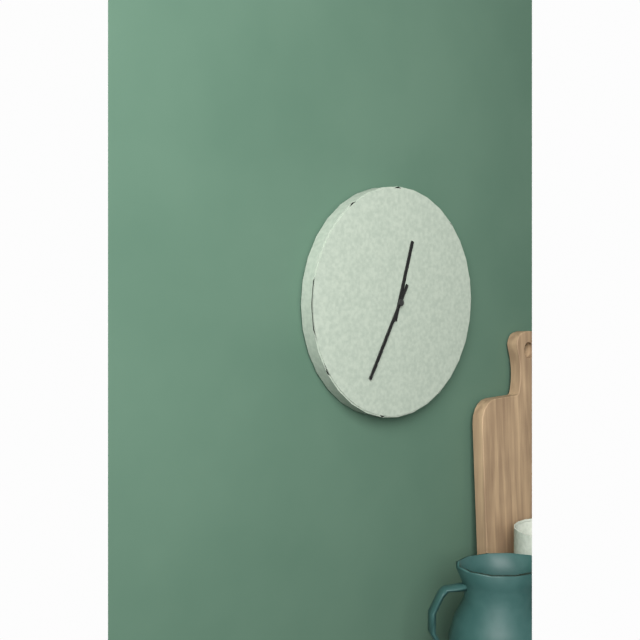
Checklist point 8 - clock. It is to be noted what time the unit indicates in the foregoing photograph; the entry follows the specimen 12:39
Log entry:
12:35
